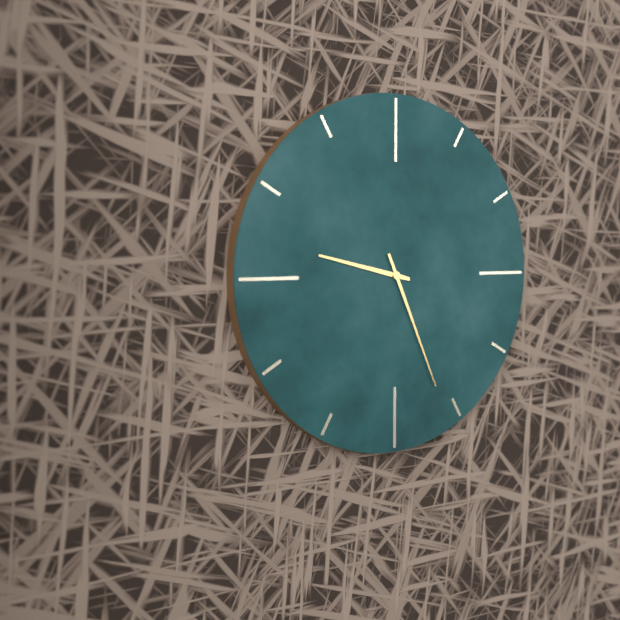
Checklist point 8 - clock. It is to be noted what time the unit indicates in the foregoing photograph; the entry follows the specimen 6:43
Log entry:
9:26
